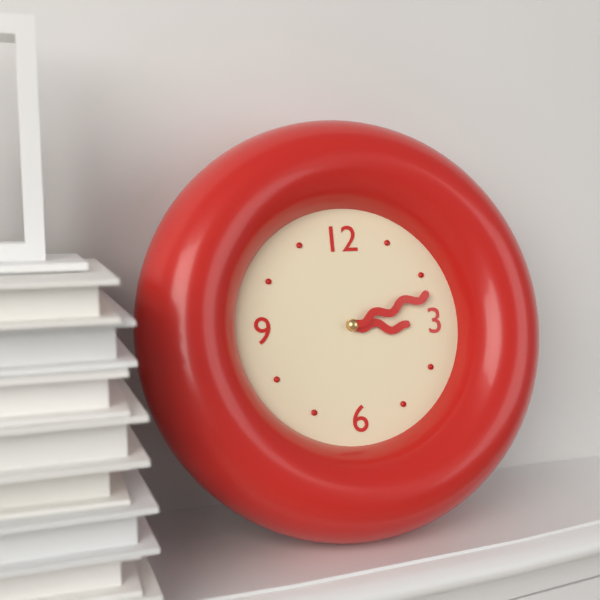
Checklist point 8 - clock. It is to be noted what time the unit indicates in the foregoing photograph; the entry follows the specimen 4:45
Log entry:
3:12
